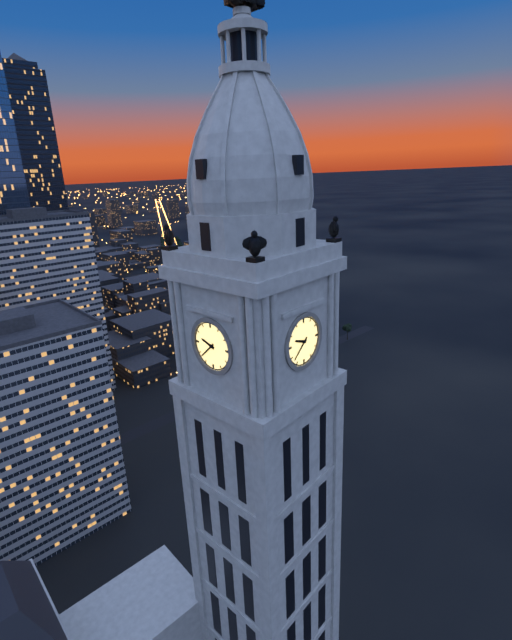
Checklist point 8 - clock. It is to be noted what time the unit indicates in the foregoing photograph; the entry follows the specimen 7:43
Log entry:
9:38
